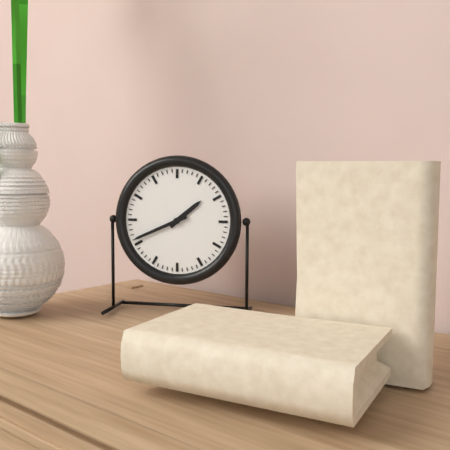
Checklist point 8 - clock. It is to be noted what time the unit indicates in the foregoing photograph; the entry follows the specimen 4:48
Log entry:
1:41
